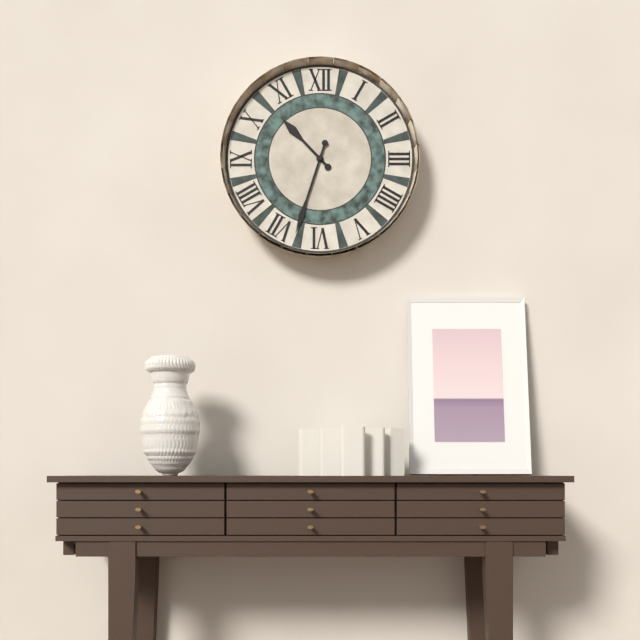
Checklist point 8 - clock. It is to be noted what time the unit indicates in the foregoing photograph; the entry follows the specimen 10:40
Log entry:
10:33
